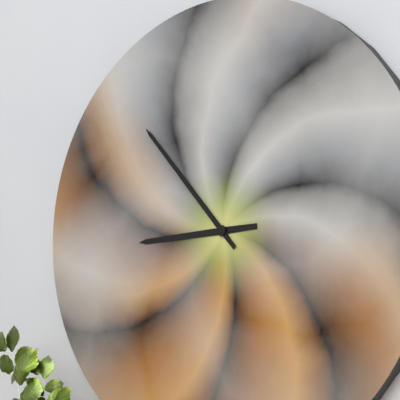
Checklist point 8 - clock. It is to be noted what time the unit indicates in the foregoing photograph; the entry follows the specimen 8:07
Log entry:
8:53
